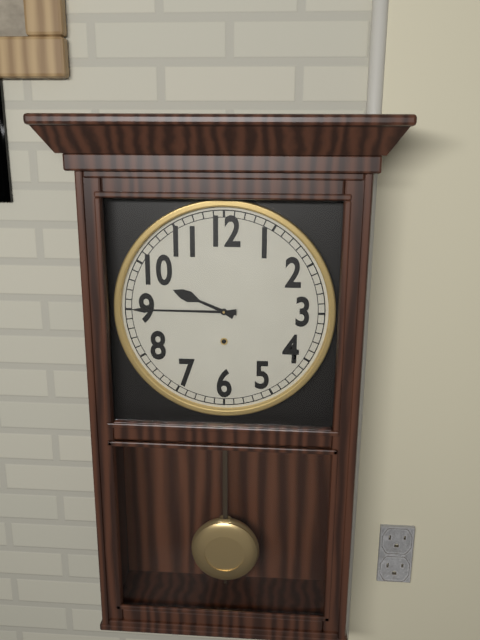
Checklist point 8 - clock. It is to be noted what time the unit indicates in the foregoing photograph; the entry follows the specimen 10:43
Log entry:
9:45
